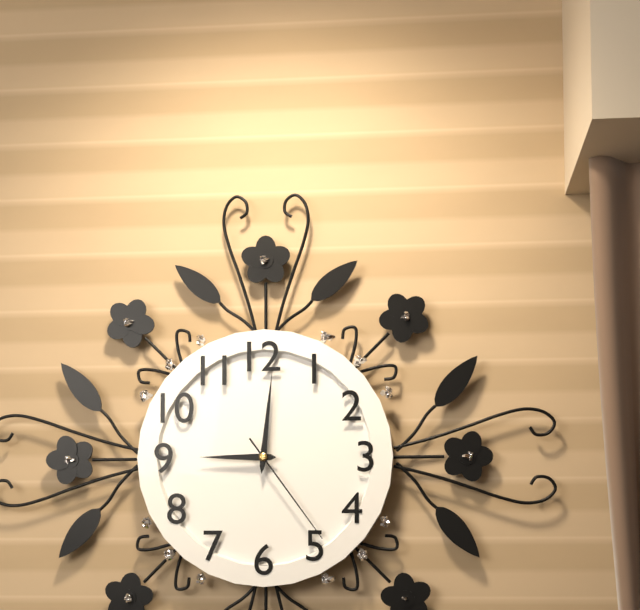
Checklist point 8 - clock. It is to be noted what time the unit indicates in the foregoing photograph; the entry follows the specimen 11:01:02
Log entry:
9:01:24
